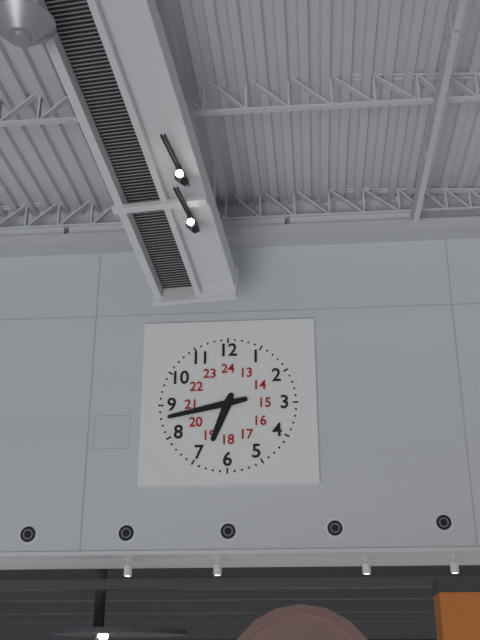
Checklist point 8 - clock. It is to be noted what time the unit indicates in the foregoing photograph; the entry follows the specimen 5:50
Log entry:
6:43
